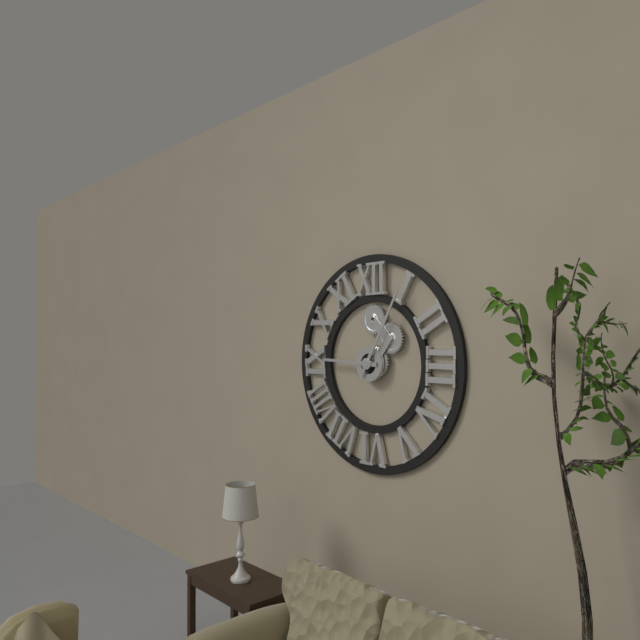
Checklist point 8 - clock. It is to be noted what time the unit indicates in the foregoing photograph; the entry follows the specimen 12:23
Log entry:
9:05
